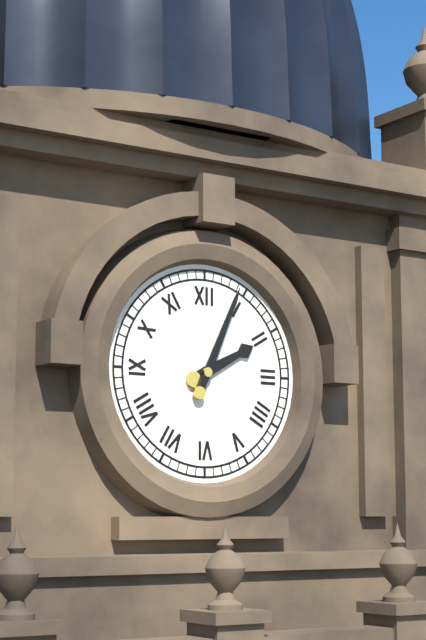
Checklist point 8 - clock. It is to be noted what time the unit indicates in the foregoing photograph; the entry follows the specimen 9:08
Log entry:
2:04
